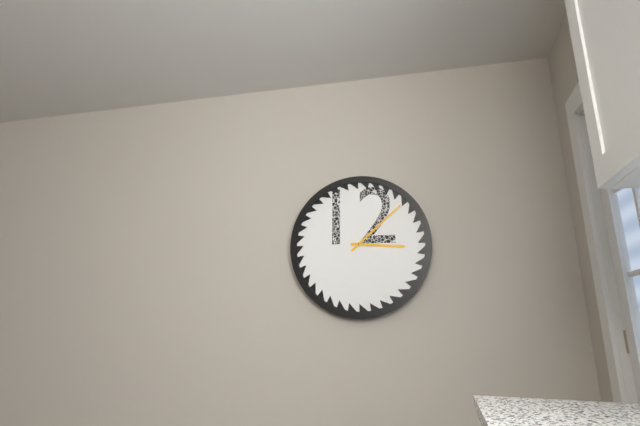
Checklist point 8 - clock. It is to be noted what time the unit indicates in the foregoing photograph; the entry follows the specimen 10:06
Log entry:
3:08
